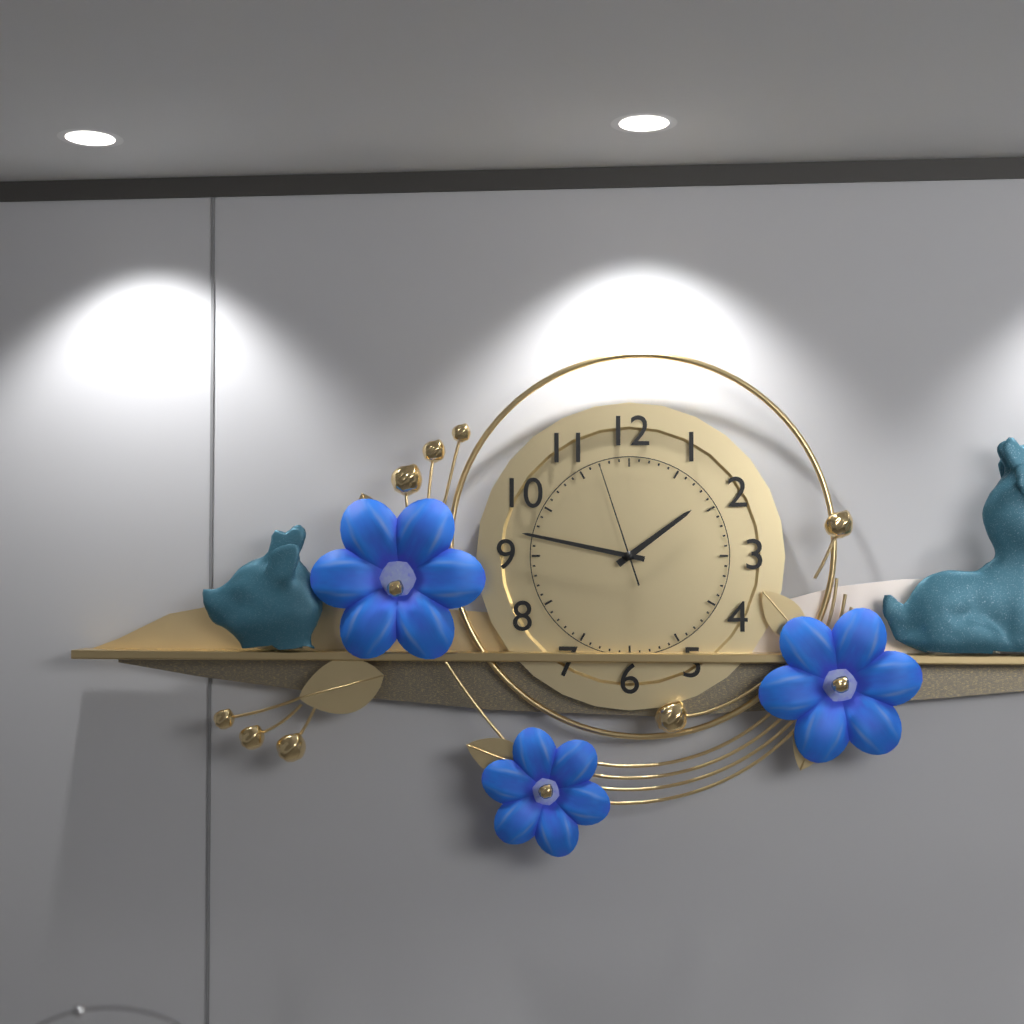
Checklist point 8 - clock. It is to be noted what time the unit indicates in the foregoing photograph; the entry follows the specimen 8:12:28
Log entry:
1:47:57
